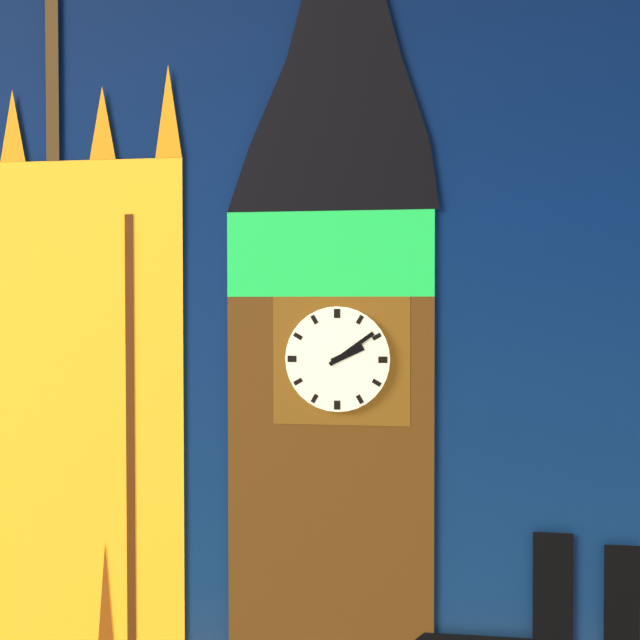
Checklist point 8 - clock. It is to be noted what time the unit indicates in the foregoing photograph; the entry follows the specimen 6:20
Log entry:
2:09
